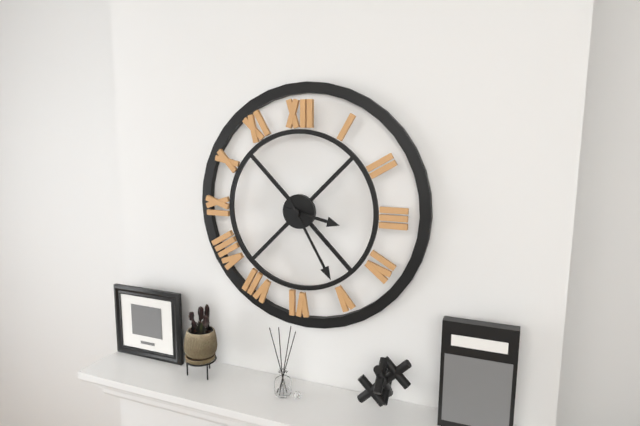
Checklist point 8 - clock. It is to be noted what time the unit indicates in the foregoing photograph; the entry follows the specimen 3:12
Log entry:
3:25
